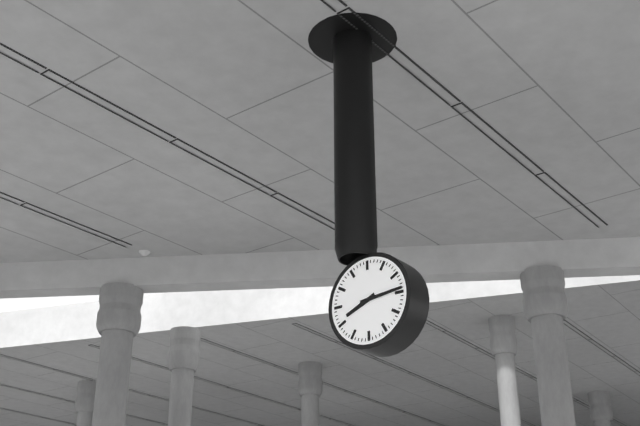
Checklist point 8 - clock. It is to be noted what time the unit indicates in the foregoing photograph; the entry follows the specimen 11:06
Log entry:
8:14
